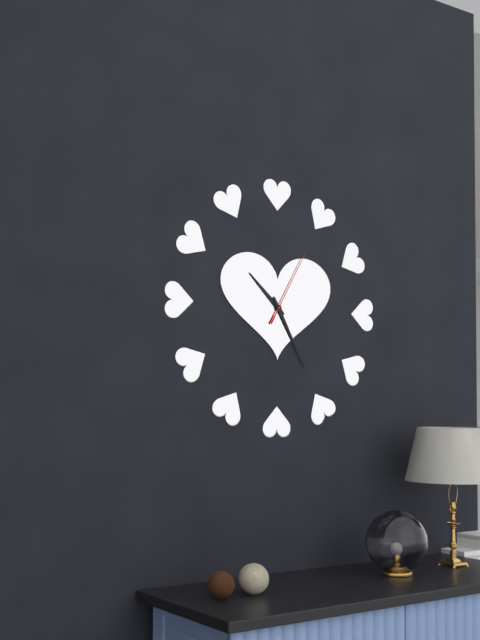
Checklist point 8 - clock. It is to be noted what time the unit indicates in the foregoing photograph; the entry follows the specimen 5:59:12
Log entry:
10:25:05
